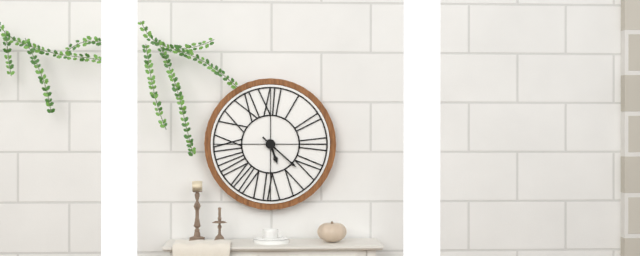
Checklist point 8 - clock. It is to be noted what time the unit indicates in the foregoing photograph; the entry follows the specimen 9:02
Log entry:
5:22
